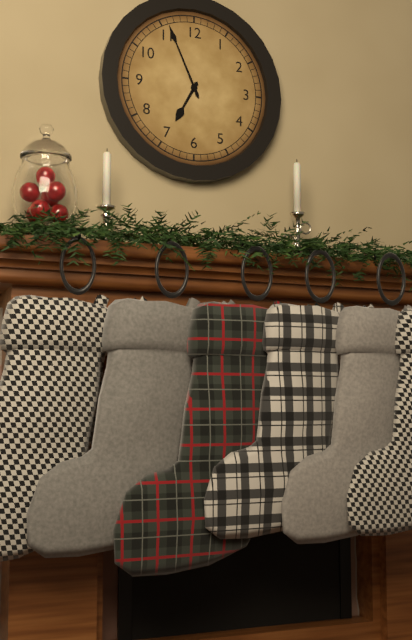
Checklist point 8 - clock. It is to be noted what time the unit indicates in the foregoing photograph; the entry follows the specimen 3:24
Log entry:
6:56
